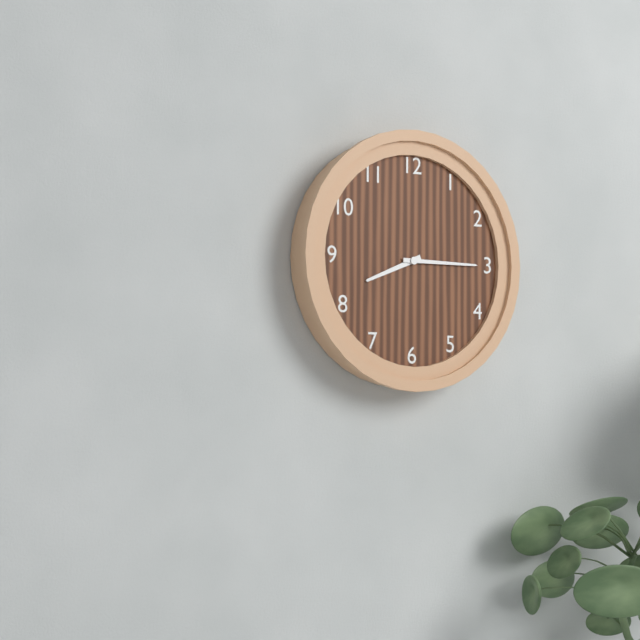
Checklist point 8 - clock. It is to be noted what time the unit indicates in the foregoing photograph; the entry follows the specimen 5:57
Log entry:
8:15
